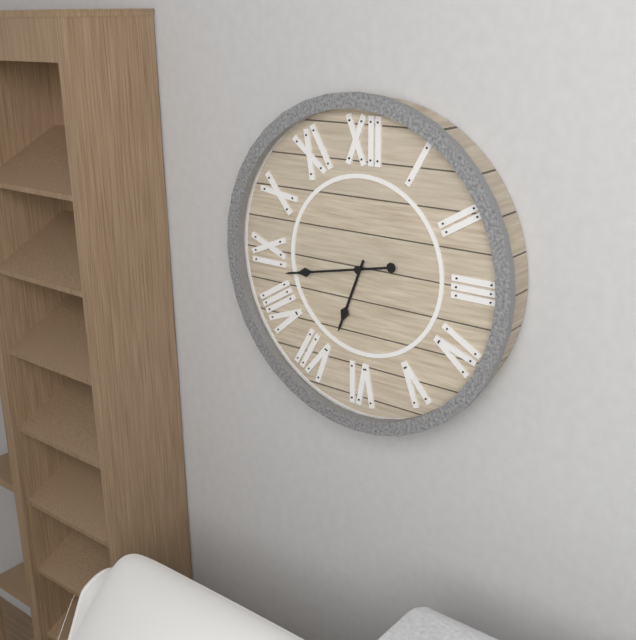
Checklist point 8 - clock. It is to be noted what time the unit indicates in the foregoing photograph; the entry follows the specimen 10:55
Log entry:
6:43
